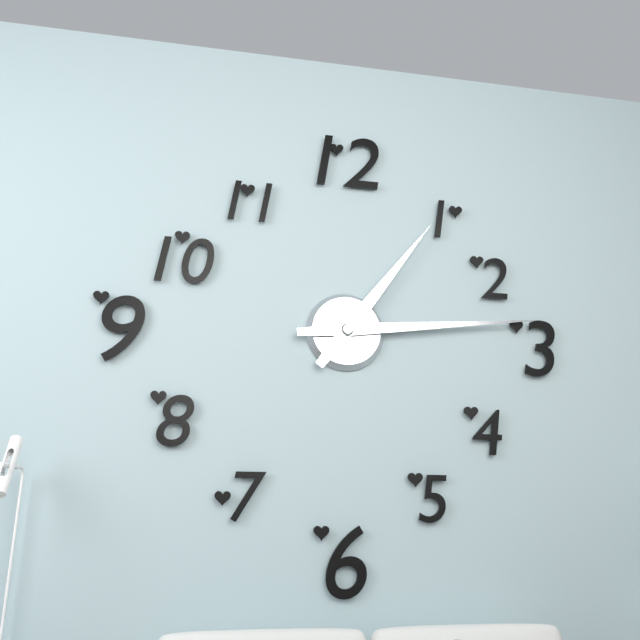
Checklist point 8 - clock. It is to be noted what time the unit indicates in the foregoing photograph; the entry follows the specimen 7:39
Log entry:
1:14
